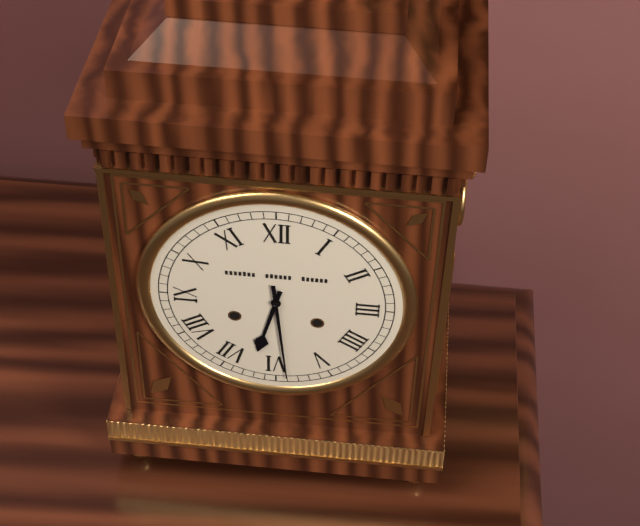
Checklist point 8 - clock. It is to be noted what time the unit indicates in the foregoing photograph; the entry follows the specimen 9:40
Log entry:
6:29
